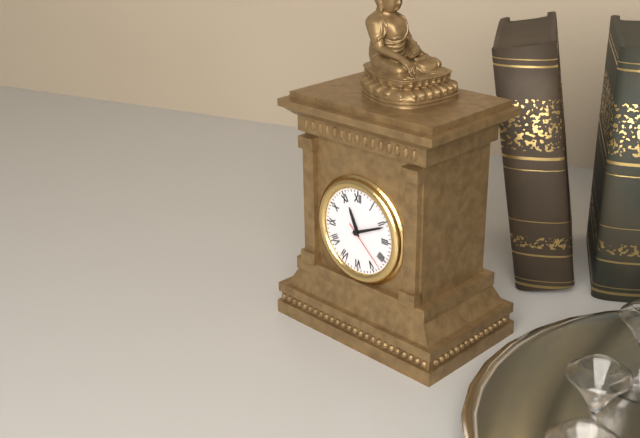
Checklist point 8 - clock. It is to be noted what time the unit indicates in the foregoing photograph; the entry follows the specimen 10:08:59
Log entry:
11:11:22
